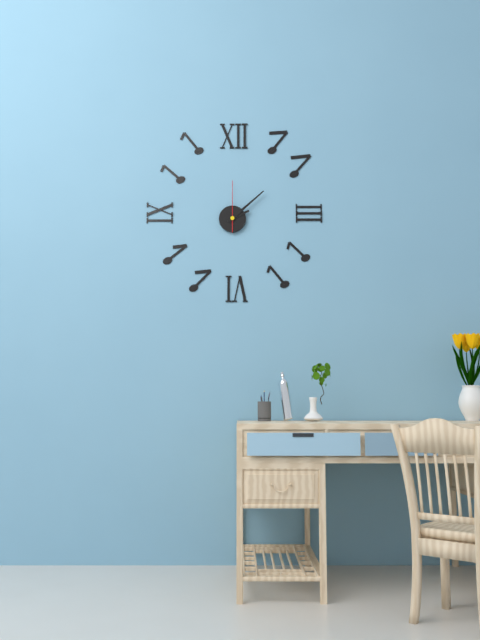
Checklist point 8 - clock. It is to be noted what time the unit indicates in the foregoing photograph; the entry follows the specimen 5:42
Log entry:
2:08
